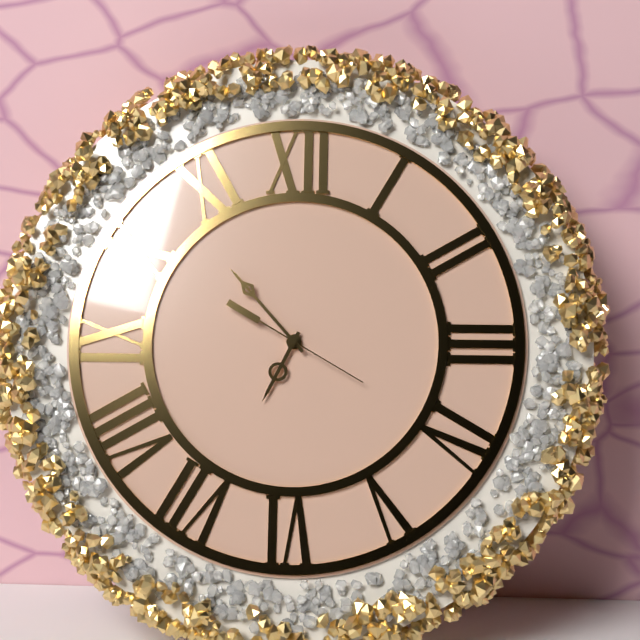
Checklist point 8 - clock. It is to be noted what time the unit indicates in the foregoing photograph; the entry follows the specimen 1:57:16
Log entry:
6:53:20
